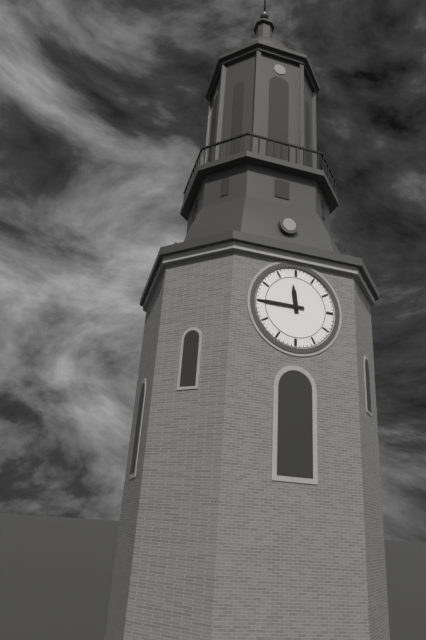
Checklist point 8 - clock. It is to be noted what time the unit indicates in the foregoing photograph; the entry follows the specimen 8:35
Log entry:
11:45
